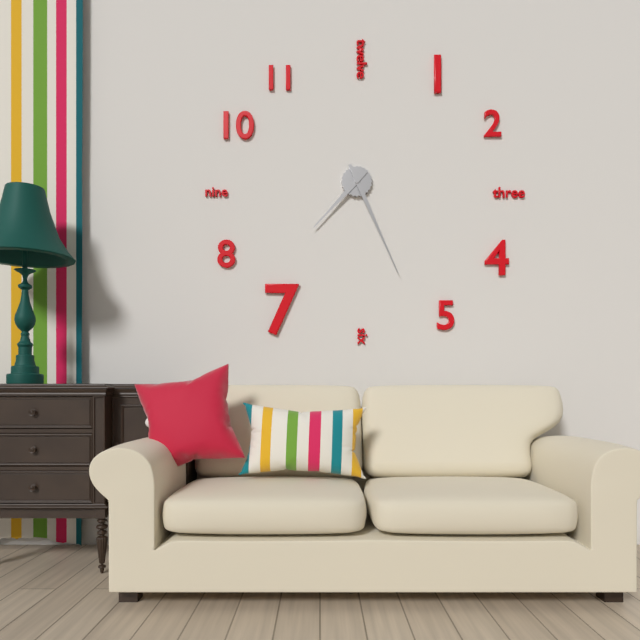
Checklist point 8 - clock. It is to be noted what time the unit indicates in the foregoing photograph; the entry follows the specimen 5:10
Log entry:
7:26
